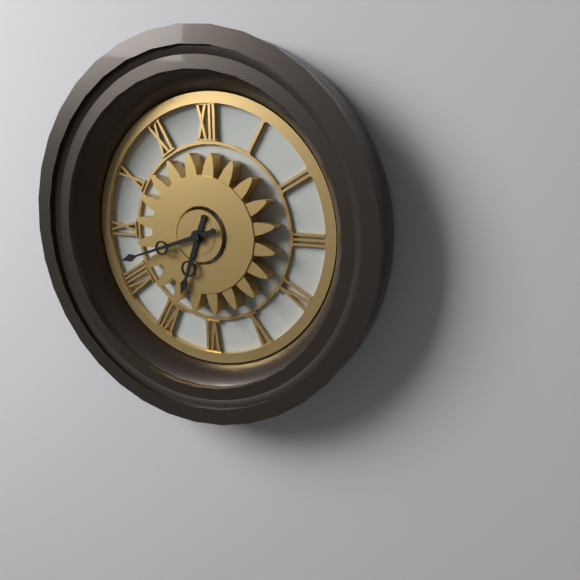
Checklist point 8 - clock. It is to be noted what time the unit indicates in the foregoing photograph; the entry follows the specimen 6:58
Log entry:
6:42
